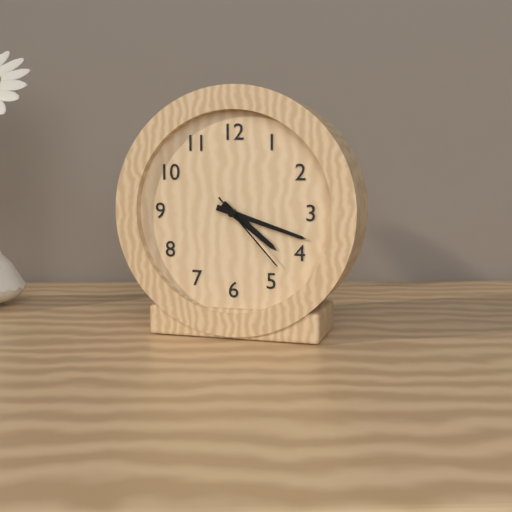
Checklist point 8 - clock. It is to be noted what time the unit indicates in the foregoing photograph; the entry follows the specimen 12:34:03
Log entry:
4:18:23
